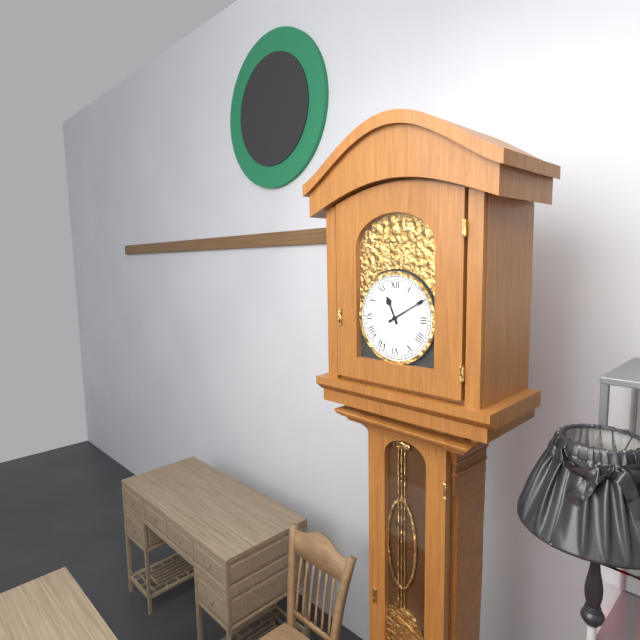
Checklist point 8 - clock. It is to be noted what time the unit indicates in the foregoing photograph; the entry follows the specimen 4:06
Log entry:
11:10
